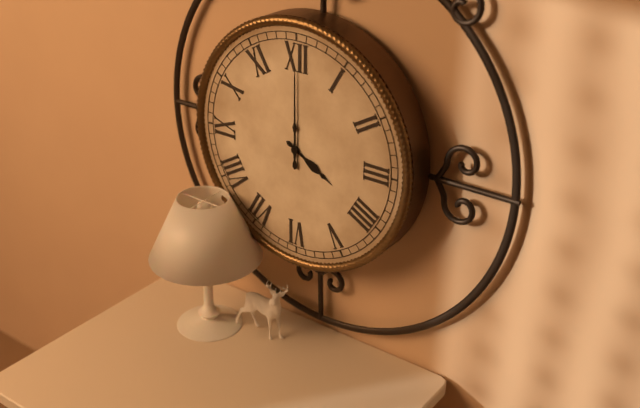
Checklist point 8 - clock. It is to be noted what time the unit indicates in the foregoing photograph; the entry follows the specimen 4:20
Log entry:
4:00
